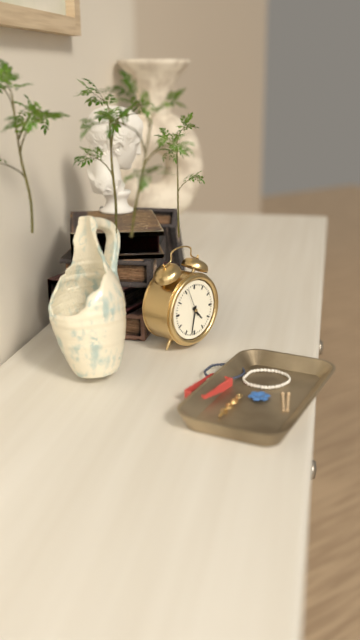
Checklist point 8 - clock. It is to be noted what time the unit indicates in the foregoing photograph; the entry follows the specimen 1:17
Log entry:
4:32
